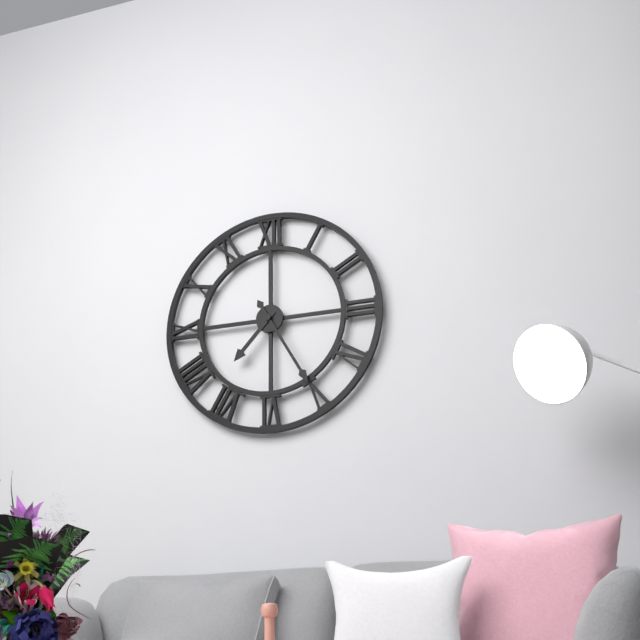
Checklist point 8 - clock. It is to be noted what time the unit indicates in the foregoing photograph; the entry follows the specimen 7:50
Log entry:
7:25
